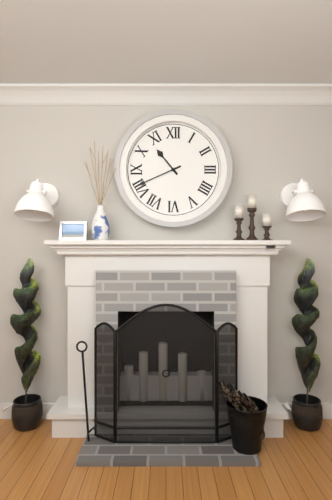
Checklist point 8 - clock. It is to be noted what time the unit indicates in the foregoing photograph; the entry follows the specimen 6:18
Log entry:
10:41
